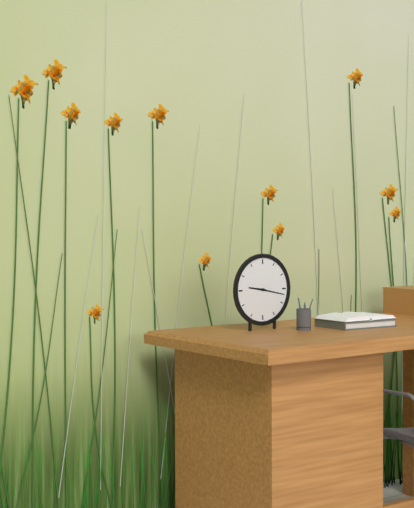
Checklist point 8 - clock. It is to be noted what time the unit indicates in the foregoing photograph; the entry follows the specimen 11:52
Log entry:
9:17
